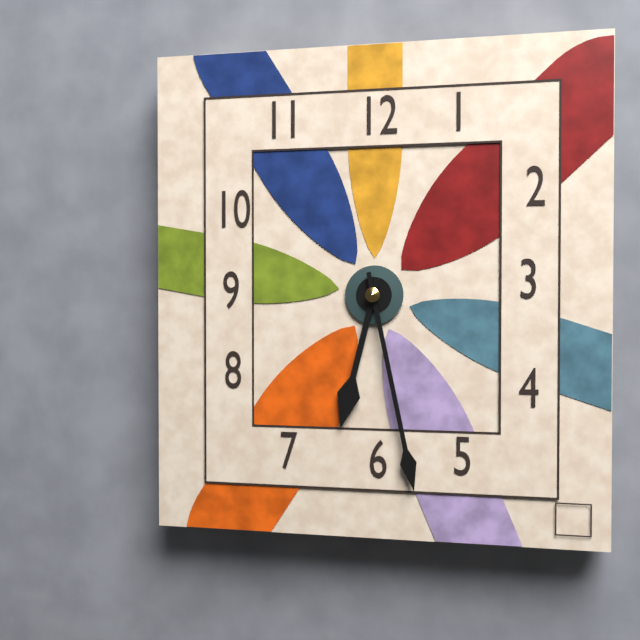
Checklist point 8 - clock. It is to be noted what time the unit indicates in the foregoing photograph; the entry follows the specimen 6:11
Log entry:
6:28
